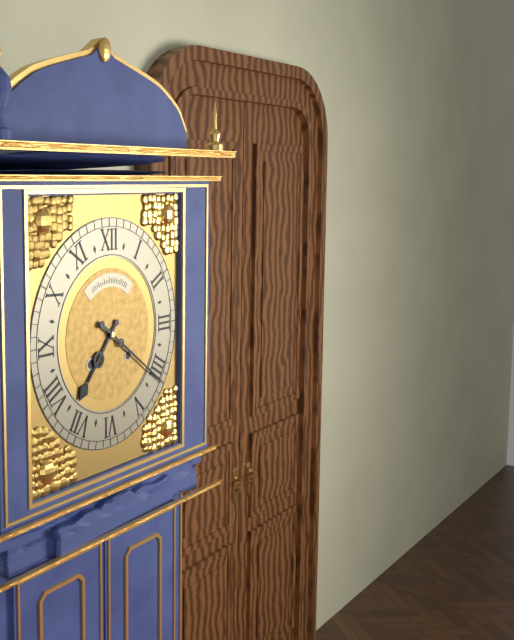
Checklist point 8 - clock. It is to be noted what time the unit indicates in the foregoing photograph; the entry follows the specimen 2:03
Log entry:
7:21
